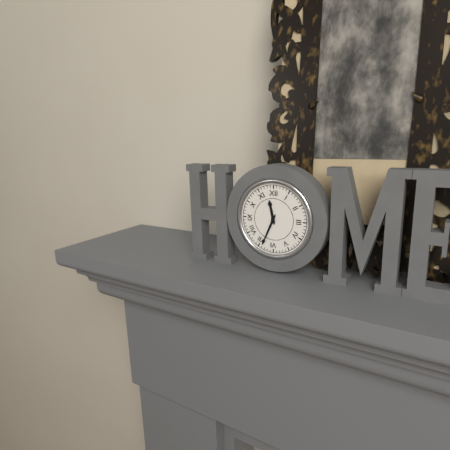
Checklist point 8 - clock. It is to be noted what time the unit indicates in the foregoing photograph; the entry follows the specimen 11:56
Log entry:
11:34
